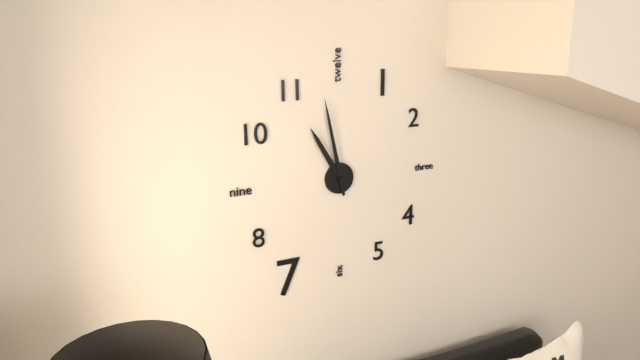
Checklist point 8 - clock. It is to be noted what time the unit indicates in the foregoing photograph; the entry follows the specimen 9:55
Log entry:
10:58
